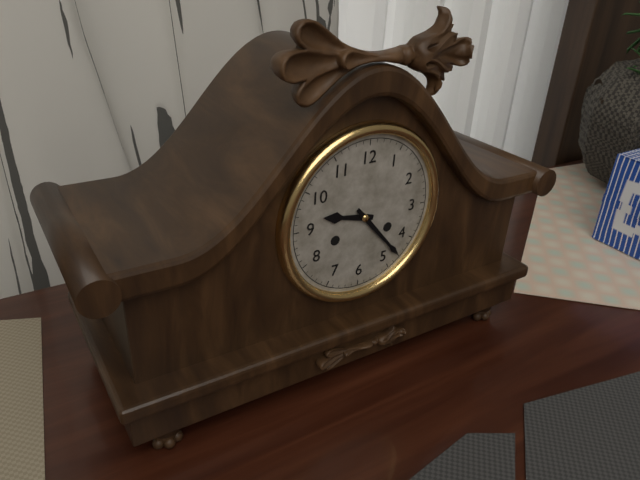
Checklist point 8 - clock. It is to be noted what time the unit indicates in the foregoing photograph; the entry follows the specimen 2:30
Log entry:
9:23
